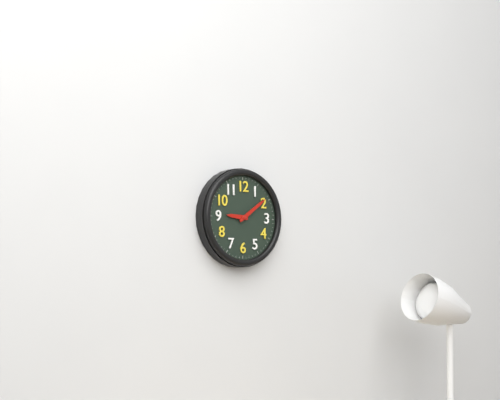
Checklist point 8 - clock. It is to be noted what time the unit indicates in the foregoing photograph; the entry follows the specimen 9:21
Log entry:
9:09
